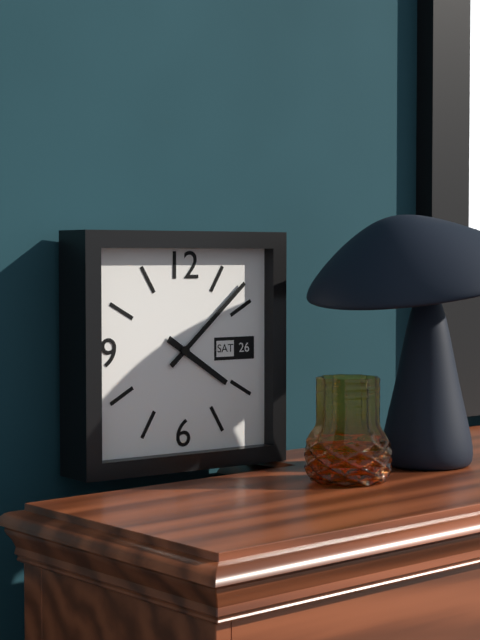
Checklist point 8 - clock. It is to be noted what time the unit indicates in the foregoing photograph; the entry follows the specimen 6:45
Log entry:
4:08
